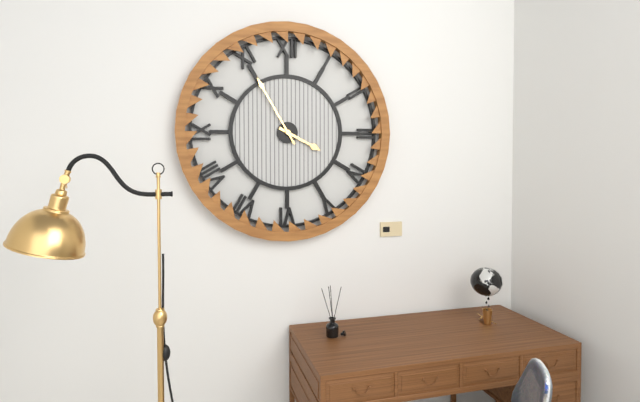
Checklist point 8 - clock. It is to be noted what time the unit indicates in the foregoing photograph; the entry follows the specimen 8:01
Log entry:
3:55
